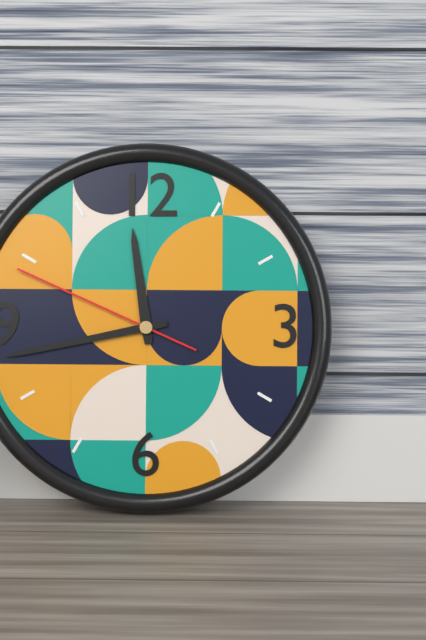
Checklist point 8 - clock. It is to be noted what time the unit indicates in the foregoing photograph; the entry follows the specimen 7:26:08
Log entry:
11:43:49
